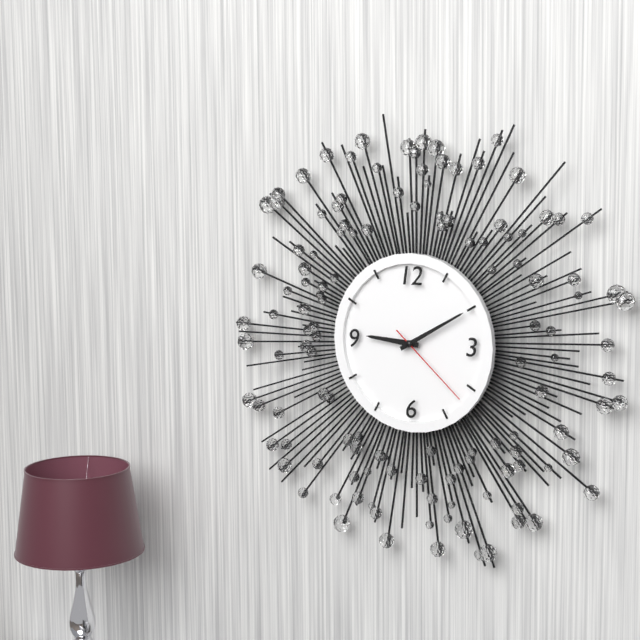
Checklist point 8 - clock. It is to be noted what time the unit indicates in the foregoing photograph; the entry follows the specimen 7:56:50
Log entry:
9:10:22
